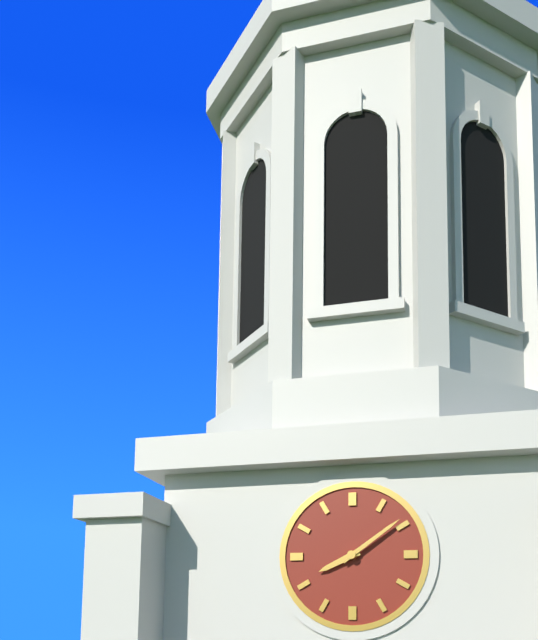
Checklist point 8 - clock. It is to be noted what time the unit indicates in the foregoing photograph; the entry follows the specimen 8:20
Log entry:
8:09
